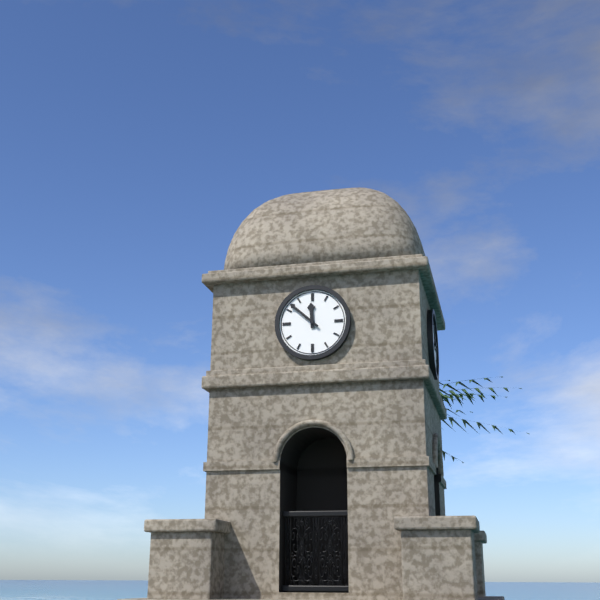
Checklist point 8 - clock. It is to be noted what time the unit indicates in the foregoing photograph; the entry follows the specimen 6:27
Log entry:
11:52
